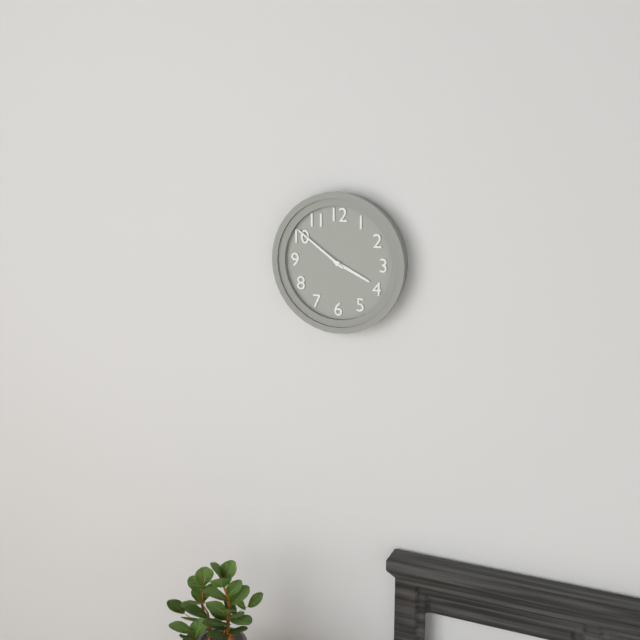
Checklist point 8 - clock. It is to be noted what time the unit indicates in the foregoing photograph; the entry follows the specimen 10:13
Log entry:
3:51
